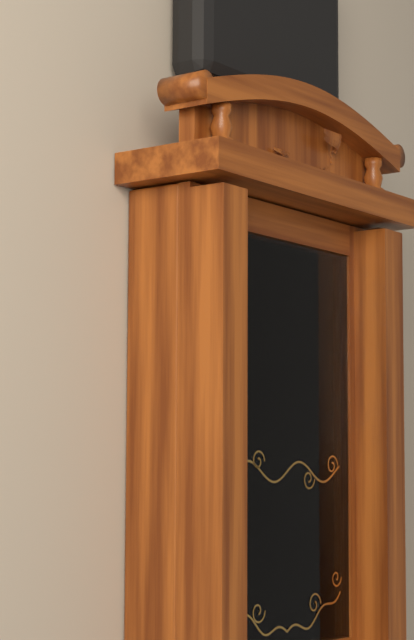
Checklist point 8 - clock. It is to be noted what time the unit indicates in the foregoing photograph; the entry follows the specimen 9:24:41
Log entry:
7:15:31
